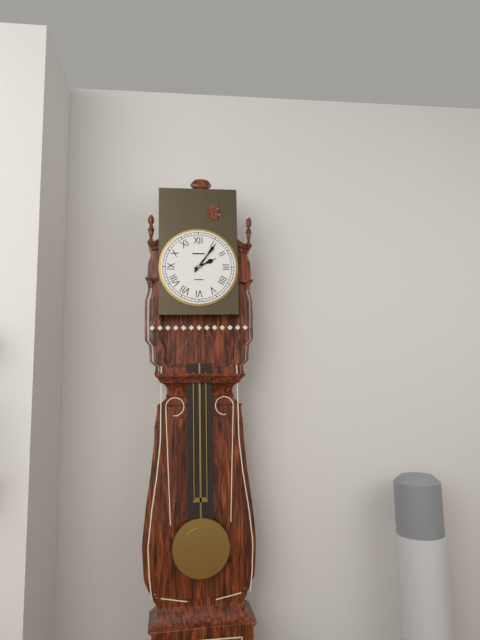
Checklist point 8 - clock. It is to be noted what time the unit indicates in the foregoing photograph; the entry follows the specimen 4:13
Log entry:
2:06
